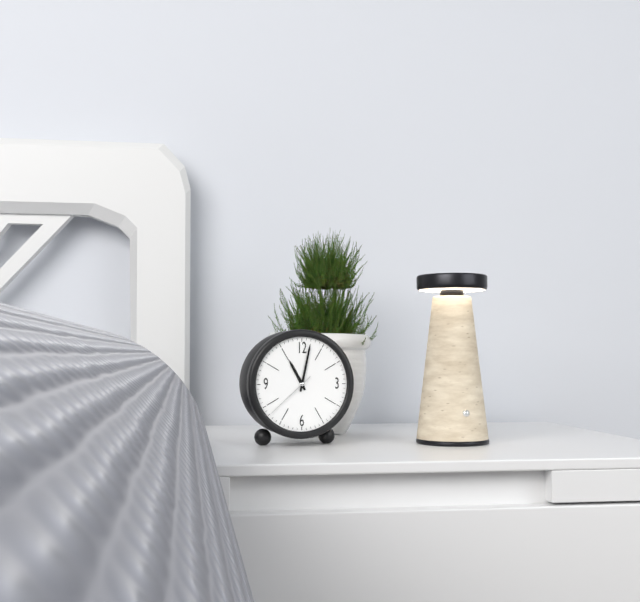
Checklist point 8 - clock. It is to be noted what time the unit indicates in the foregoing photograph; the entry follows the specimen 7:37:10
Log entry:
11:02:38
